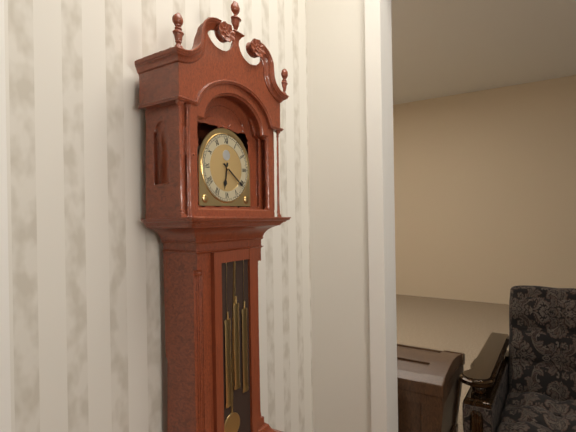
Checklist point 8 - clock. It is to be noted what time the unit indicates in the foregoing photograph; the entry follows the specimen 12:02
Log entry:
6:21
